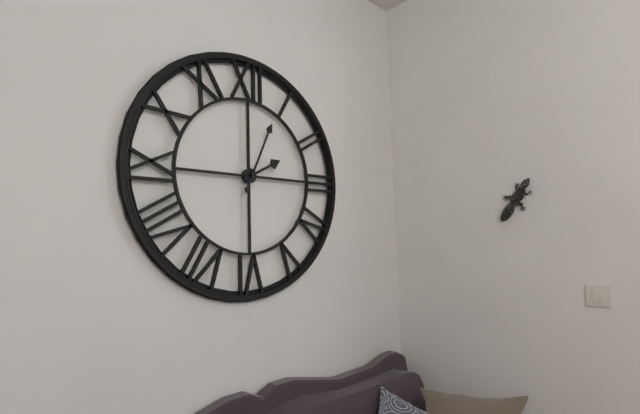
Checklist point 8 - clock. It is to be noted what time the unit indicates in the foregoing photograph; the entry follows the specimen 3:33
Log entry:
2:04
